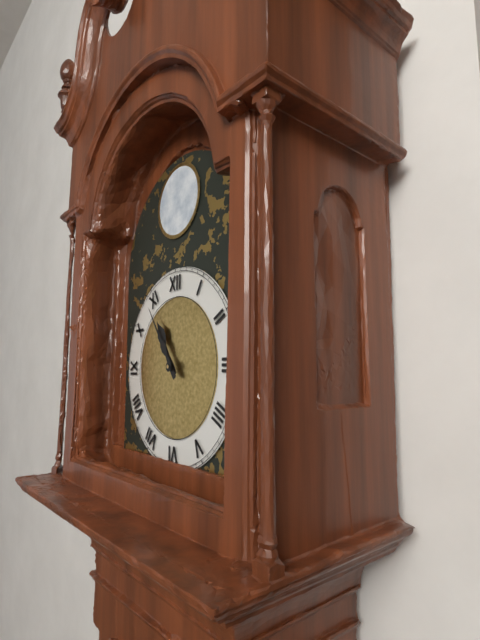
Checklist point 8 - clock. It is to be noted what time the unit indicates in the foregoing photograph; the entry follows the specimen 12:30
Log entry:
10:54
